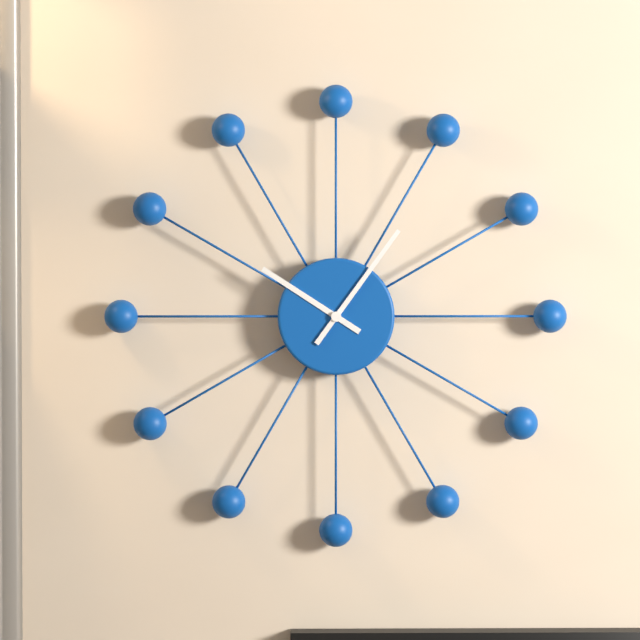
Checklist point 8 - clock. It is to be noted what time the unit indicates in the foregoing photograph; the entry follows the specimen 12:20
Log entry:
10:06
